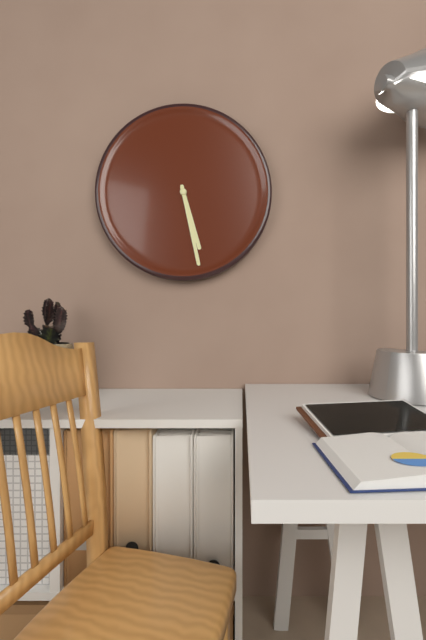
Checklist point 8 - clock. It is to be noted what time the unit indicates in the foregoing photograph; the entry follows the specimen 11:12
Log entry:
5:28
